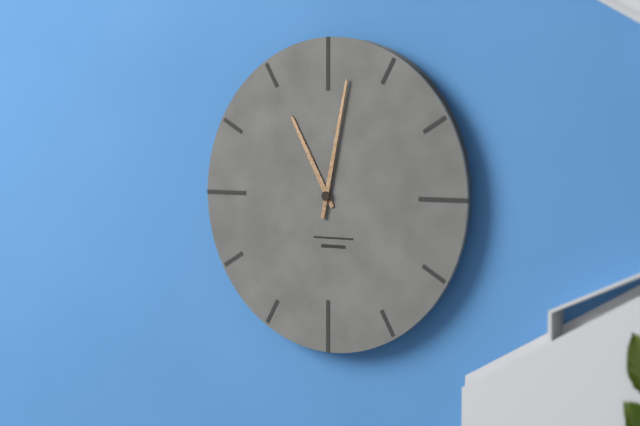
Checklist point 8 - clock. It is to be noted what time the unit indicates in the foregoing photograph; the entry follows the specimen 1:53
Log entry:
11:02
